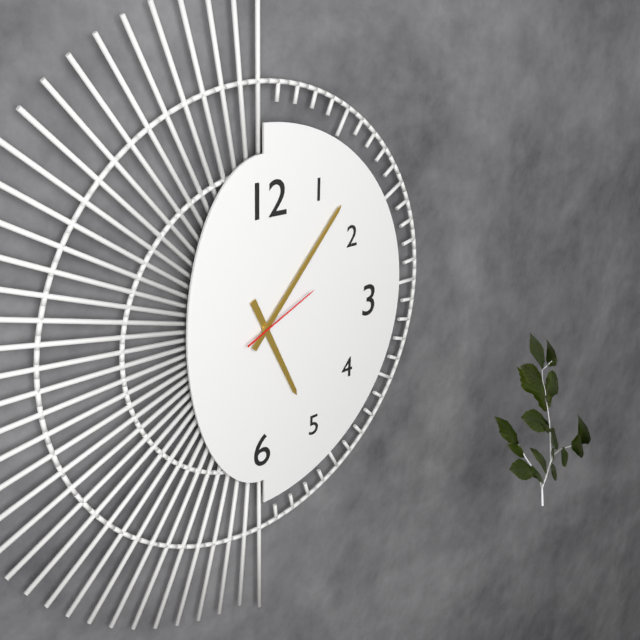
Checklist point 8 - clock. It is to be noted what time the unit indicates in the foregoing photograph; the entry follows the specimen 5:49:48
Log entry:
5:07:11
